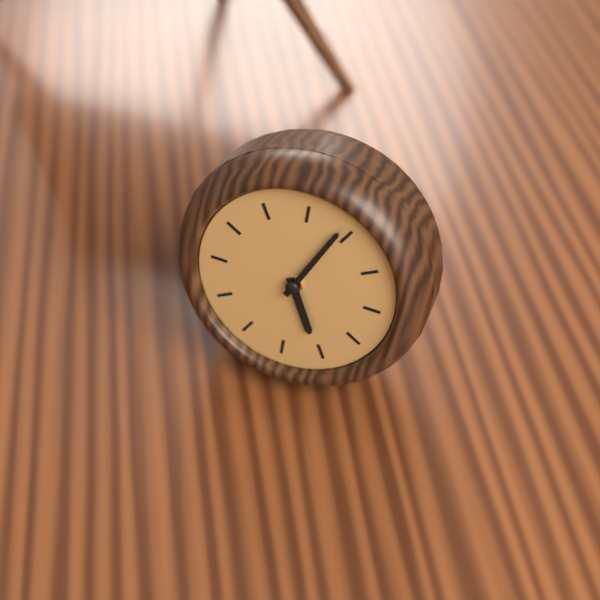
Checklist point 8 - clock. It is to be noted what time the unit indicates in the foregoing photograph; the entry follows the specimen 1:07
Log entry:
5:04
